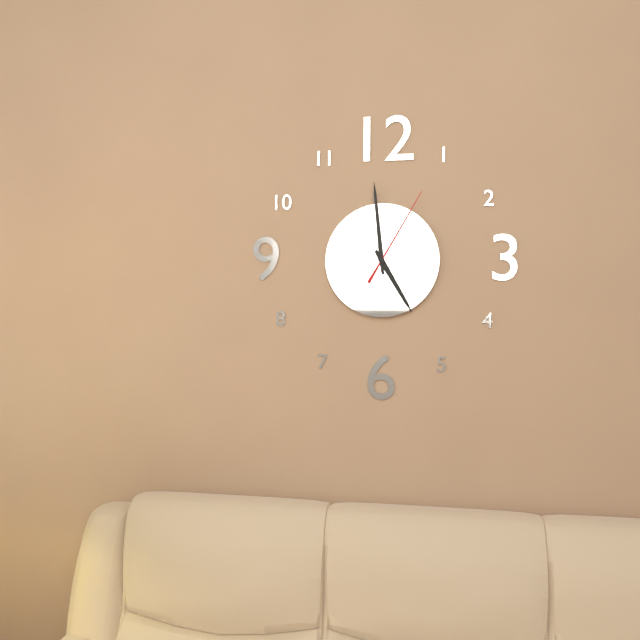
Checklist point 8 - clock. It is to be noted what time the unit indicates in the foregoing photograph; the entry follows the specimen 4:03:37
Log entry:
4:59:05
